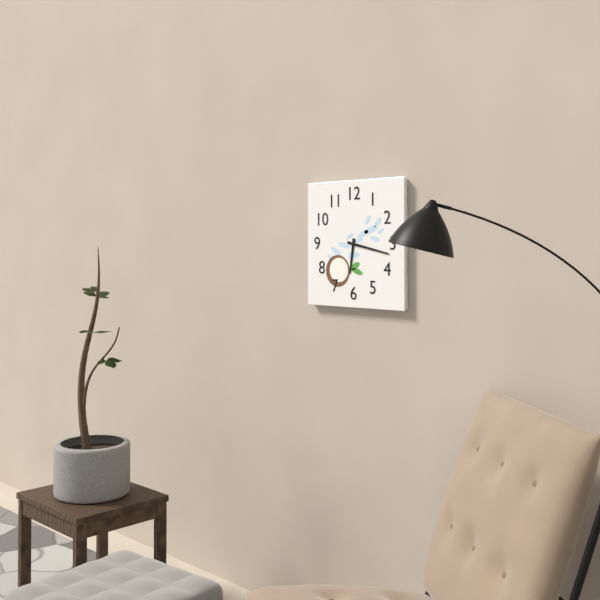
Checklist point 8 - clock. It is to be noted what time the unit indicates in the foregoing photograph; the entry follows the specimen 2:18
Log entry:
6:17
